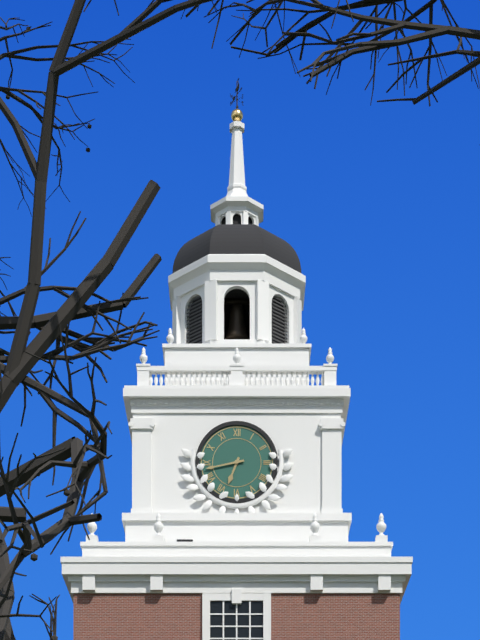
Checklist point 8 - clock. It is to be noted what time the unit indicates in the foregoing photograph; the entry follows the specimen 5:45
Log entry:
6:43
